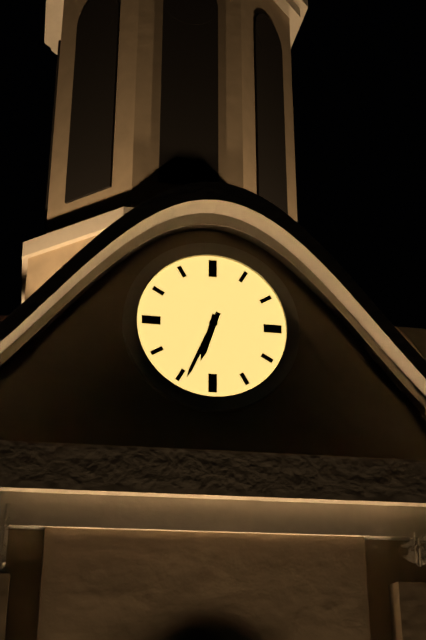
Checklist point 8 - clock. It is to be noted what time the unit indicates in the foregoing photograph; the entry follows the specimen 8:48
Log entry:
6:34
